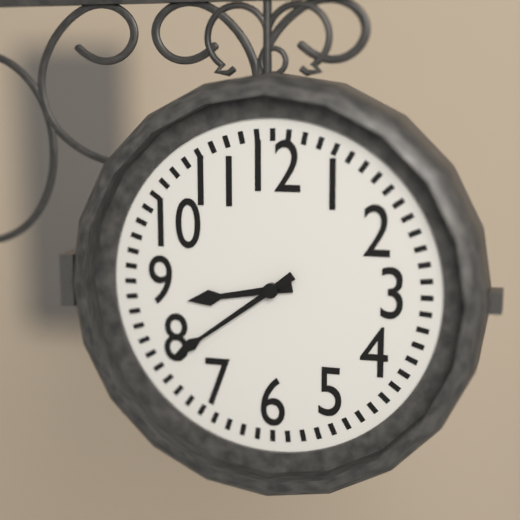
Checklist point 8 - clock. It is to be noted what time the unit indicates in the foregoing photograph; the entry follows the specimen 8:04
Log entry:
8:39
